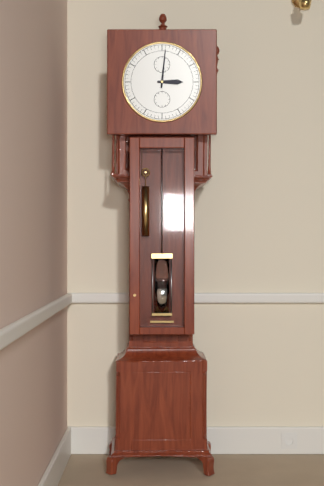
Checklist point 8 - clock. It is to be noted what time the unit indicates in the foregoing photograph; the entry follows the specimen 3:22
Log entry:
3:01
